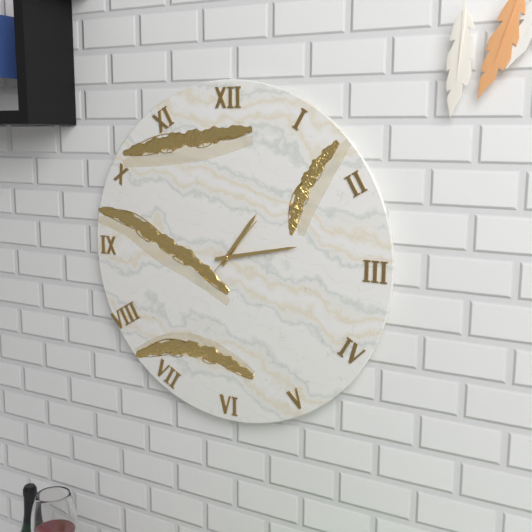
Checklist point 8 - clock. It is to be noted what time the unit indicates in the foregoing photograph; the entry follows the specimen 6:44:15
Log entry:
1:13:07
